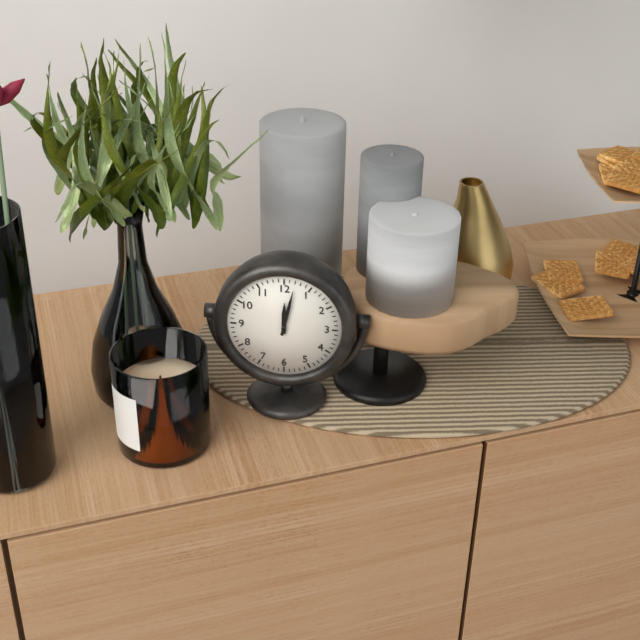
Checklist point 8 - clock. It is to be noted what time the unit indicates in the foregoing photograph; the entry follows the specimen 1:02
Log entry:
12:02
